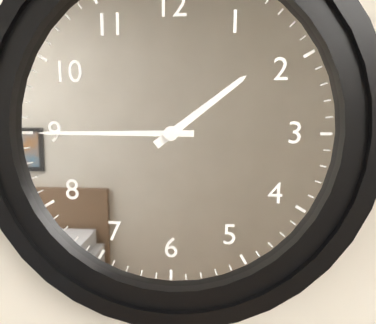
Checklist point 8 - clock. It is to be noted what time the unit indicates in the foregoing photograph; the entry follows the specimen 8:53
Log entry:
1:45
